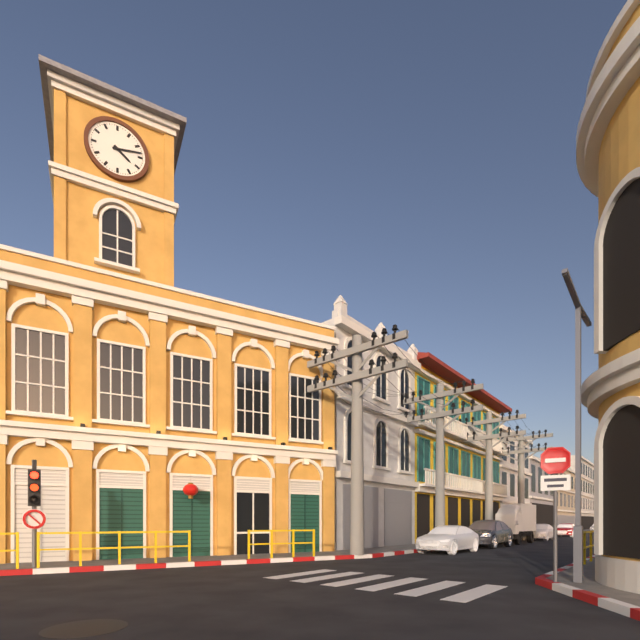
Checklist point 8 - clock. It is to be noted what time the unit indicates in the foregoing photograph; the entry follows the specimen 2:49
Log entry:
4:13
